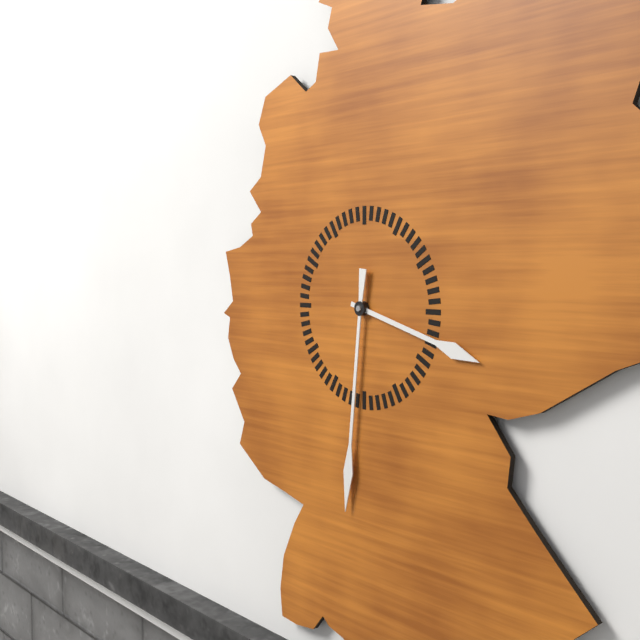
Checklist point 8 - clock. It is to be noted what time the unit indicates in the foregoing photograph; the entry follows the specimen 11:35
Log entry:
3:31
